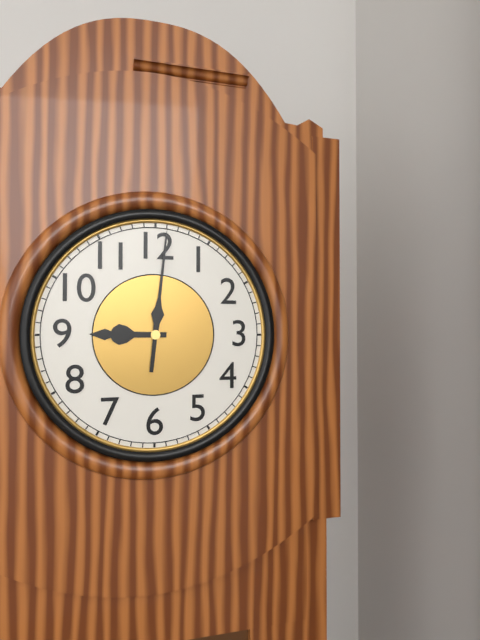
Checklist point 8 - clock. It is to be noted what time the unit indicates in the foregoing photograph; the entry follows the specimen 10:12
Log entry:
9:01
